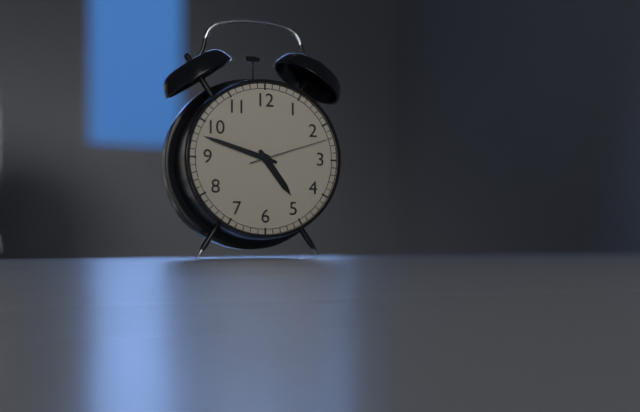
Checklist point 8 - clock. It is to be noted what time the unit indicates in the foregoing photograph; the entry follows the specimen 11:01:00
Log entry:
4:48:12
